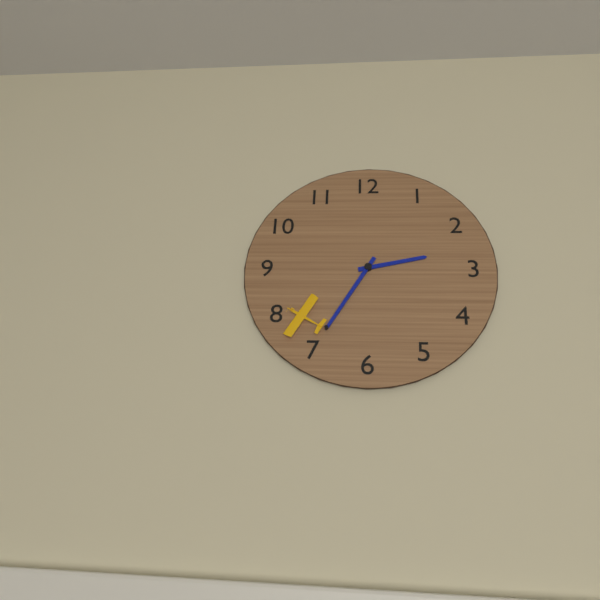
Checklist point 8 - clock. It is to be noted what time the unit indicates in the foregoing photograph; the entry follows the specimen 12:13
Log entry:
2:35
